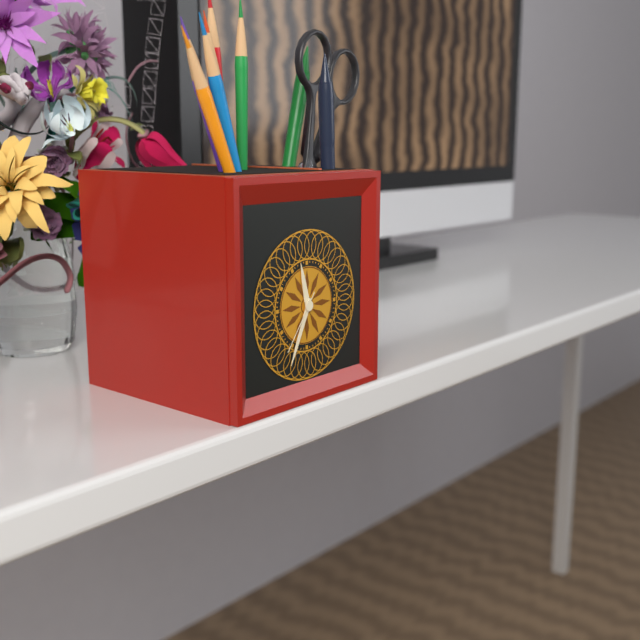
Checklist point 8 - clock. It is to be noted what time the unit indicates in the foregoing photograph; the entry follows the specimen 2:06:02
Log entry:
11:34:36
